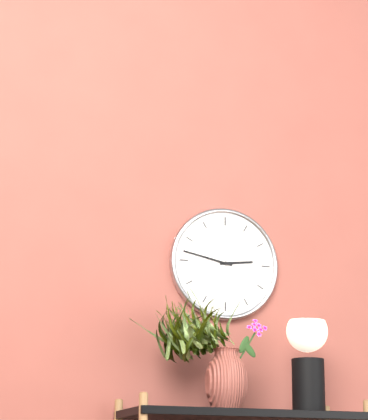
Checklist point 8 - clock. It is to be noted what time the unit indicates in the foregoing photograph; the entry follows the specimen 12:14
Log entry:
2:47
